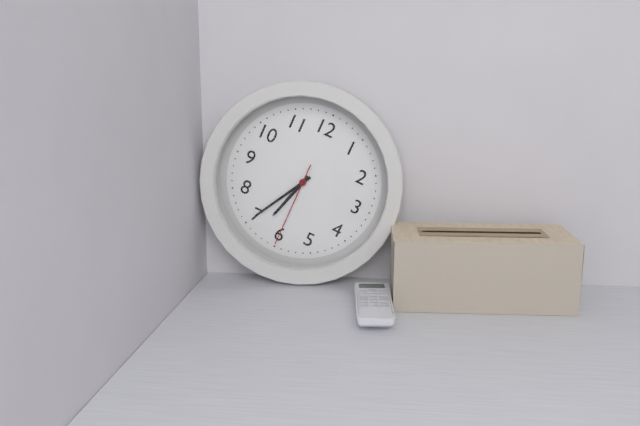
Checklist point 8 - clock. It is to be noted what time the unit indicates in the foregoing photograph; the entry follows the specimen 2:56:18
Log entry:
6:35:30
